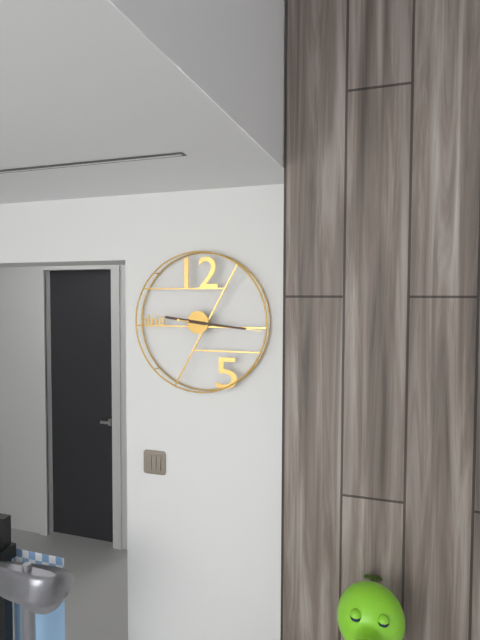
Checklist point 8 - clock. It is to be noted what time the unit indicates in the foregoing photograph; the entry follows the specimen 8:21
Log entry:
9:16
